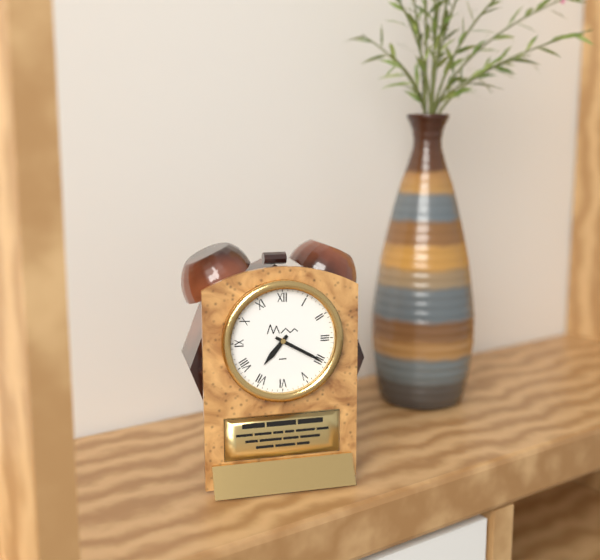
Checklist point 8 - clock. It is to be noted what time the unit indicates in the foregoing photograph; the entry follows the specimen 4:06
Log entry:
7:20
